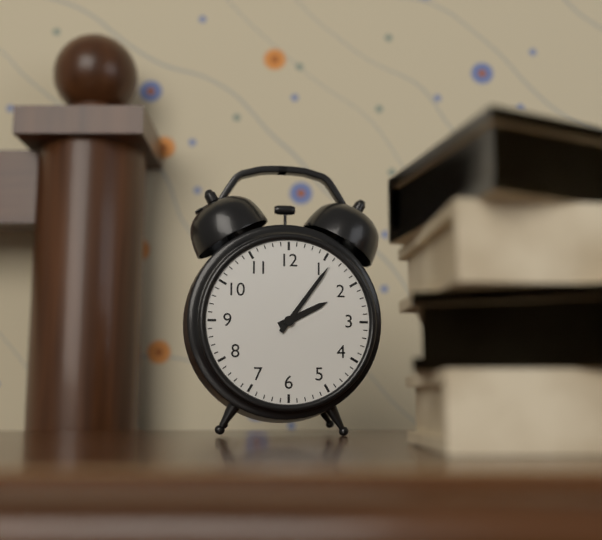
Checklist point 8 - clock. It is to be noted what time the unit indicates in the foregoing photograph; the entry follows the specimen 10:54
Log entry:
2:06
